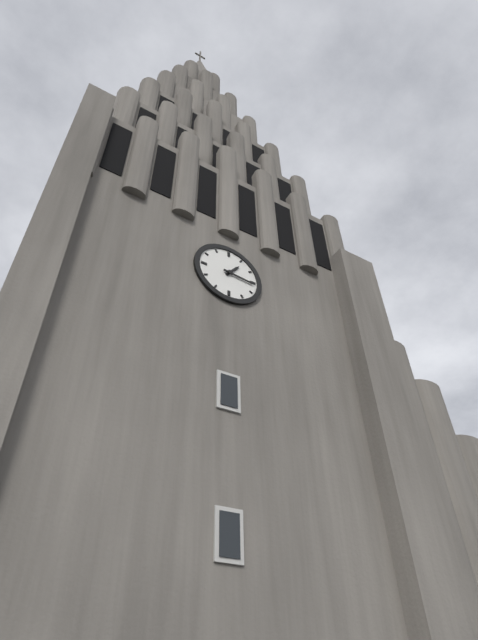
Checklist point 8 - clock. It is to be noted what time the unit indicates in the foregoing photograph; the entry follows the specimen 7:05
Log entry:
1:16
